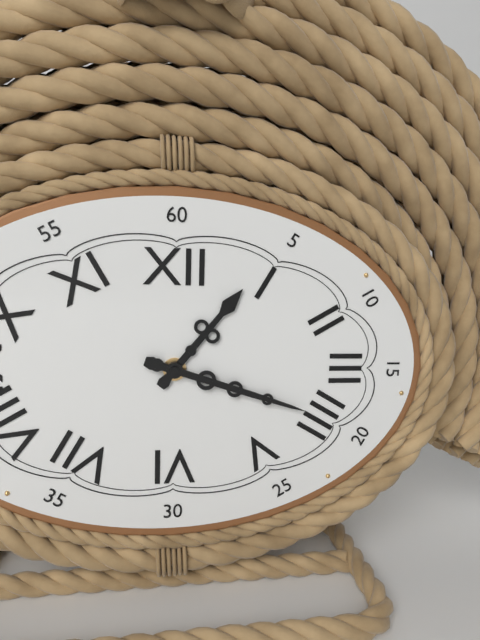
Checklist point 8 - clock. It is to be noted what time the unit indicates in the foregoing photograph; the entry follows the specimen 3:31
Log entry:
1:18
